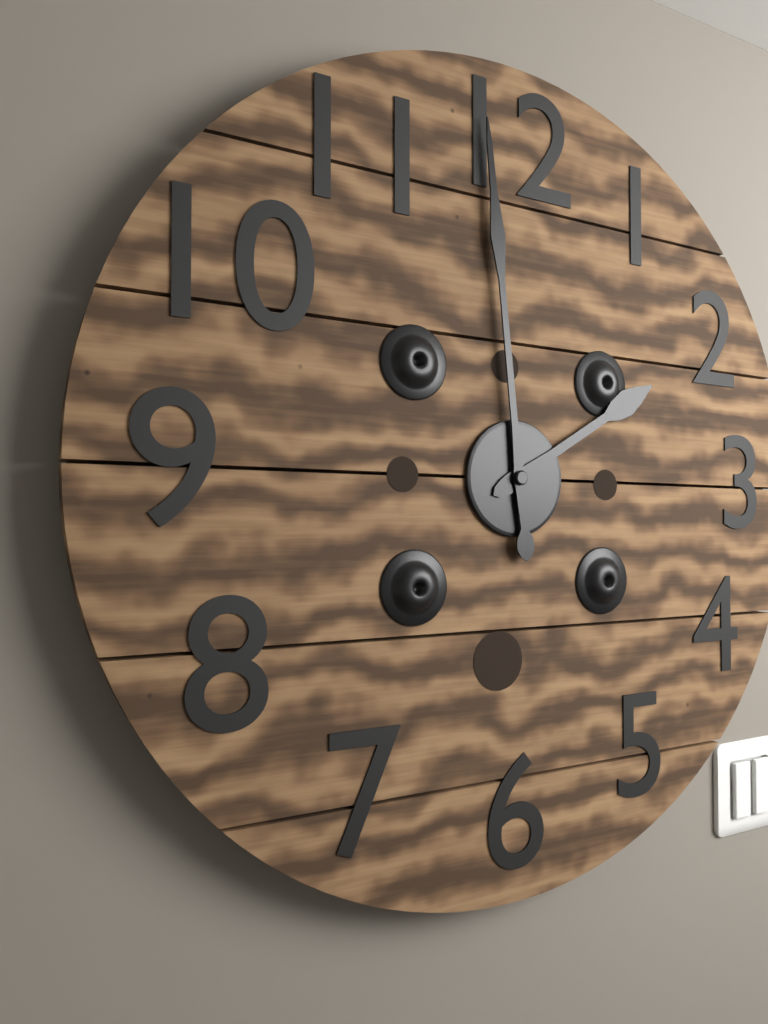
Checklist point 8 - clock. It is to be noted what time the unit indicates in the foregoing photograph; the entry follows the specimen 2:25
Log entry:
1:59
